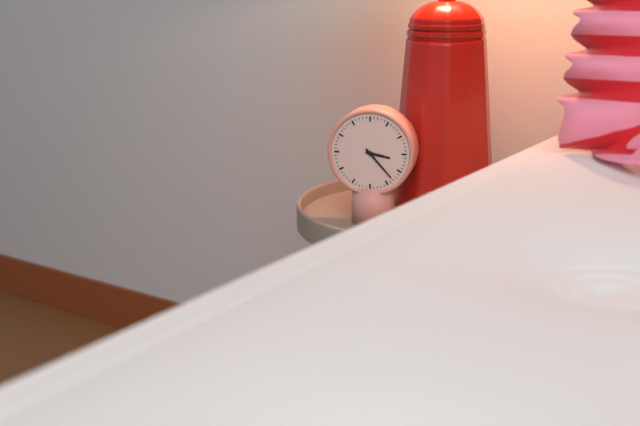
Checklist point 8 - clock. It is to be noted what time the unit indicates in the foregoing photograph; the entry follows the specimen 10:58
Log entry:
3:23
